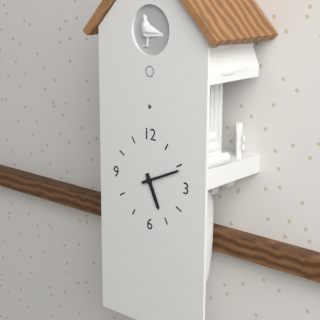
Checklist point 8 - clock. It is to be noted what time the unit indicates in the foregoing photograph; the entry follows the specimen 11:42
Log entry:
5:11
